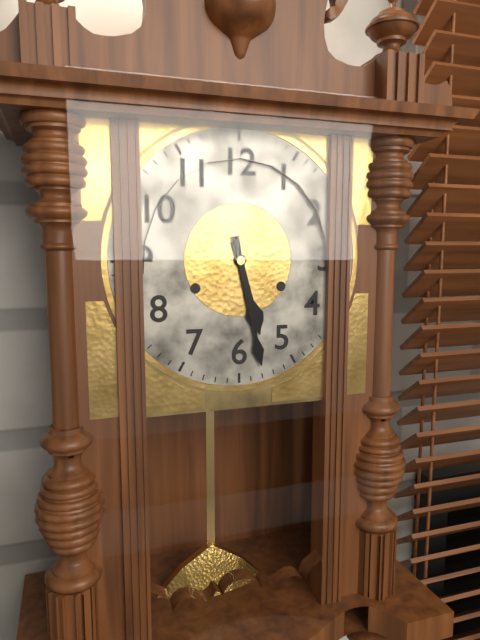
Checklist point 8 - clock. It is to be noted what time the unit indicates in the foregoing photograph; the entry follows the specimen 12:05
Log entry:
5:28
